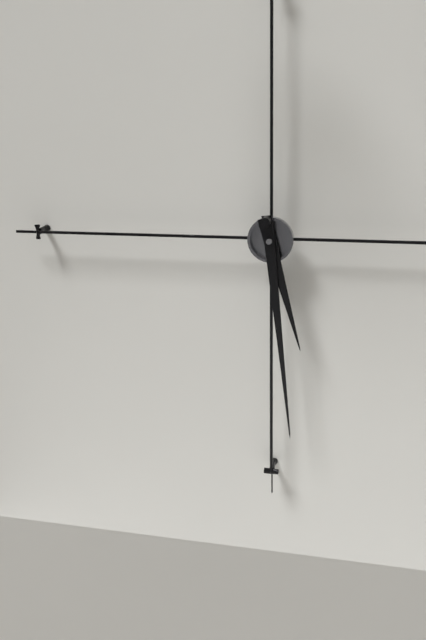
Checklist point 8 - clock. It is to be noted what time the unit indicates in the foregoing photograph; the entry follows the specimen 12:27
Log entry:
5:29
